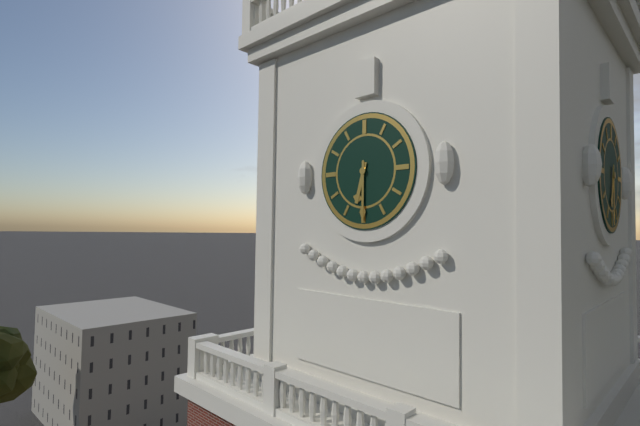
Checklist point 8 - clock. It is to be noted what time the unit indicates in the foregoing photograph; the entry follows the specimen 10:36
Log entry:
6:30
